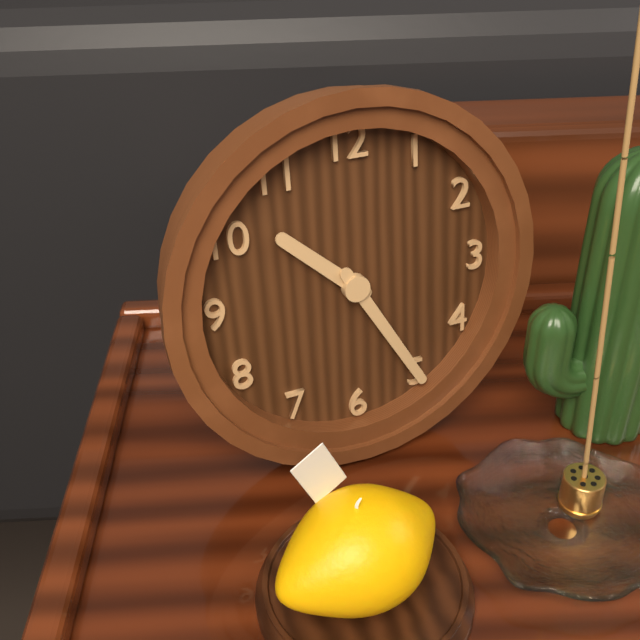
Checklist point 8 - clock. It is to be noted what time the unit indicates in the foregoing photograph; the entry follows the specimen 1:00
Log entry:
10:25
